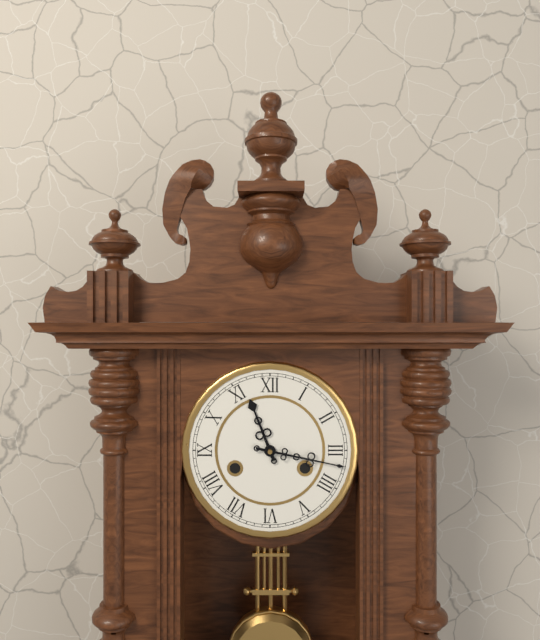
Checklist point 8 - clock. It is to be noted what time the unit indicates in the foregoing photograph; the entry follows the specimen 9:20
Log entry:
11:17
